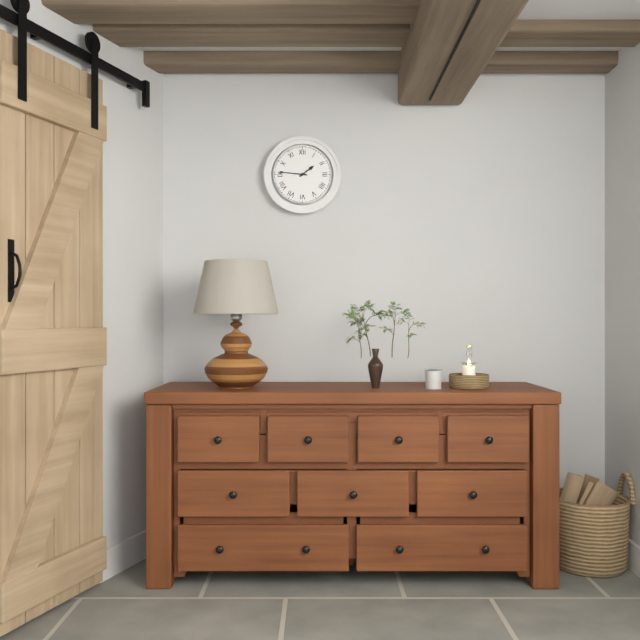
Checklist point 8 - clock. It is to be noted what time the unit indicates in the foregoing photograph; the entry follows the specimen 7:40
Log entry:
1:46
